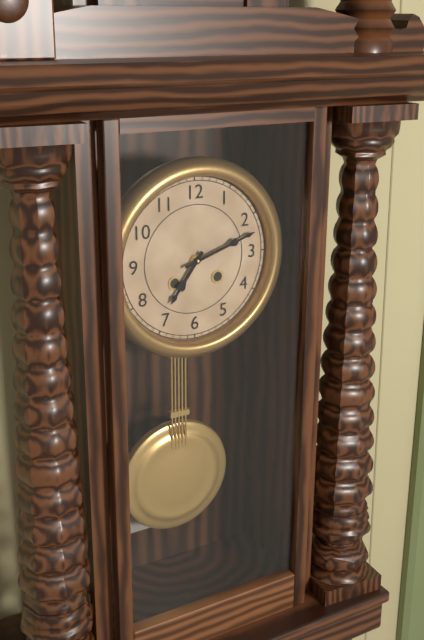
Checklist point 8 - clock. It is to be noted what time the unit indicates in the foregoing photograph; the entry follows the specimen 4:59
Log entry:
7:12
